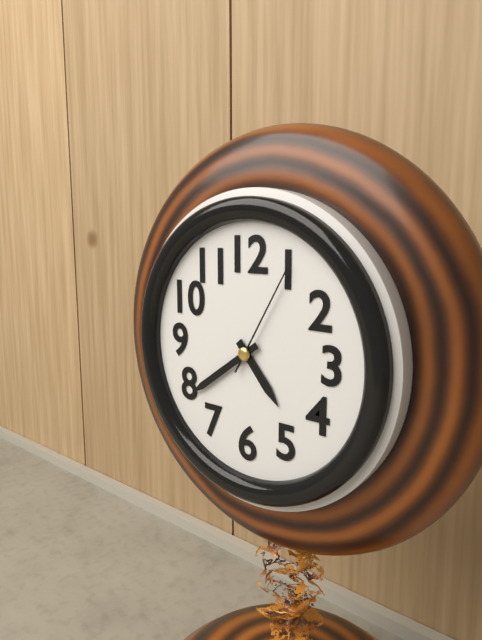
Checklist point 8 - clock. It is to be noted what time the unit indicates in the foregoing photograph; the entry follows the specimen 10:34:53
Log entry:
4:39:05
